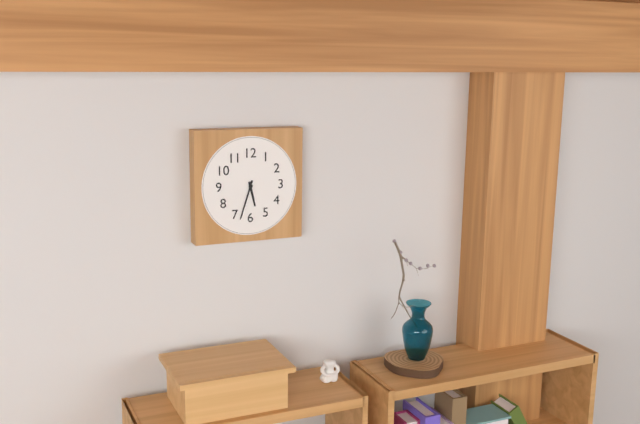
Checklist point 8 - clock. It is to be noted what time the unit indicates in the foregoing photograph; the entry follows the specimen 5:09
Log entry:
5:33
